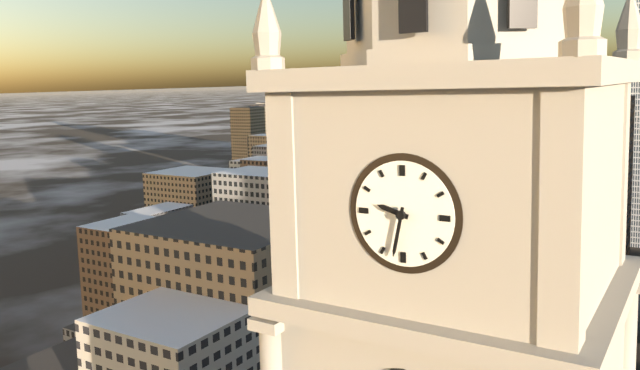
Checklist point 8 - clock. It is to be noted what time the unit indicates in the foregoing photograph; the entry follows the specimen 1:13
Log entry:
9:32
